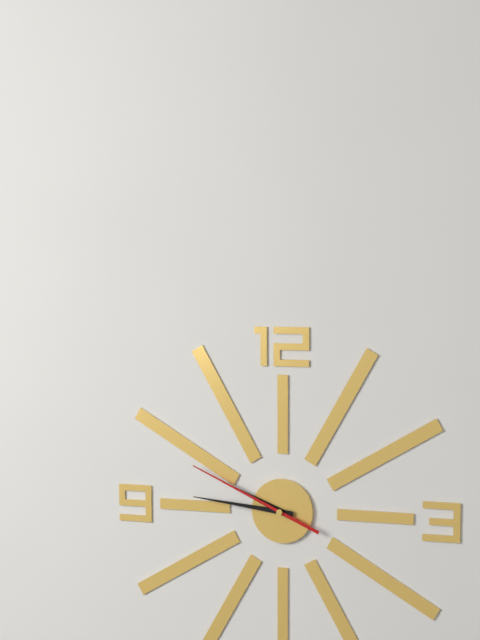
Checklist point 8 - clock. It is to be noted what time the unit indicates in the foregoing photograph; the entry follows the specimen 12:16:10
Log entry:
9:46:49
